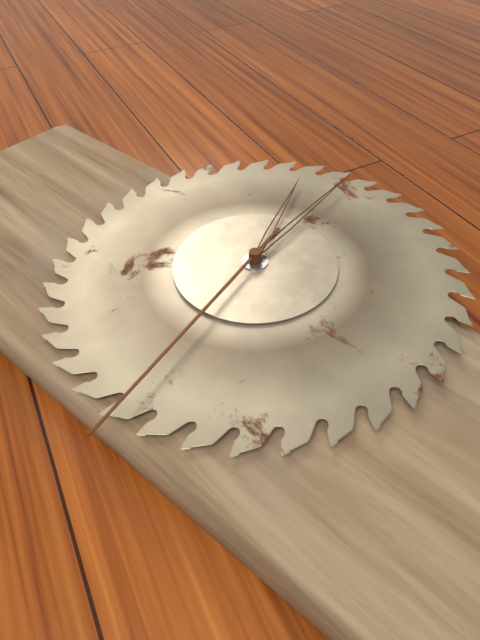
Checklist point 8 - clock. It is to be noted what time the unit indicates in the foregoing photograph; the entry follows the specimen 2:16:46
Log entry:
2:14:43
